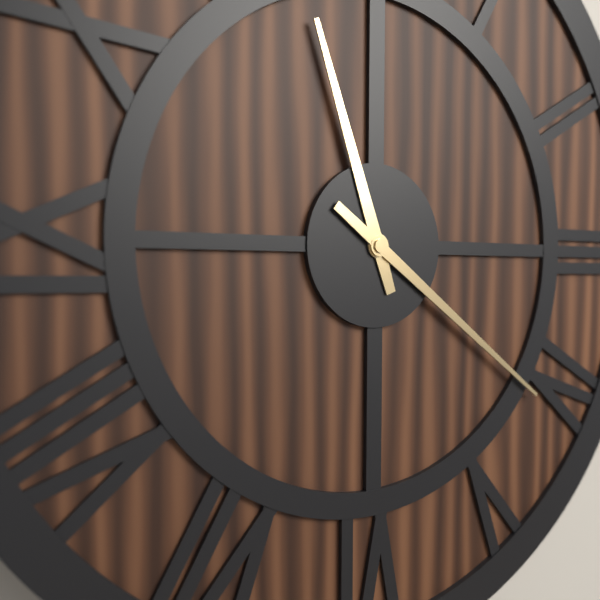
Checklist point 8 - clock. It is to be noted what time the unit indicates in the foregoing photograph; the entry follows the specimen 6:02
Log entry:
11:21
